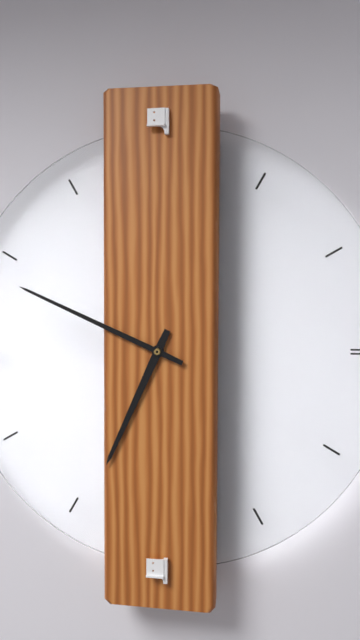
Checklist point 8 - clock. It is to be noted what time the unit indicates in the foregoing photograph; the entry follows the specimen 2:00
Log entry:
6:49
